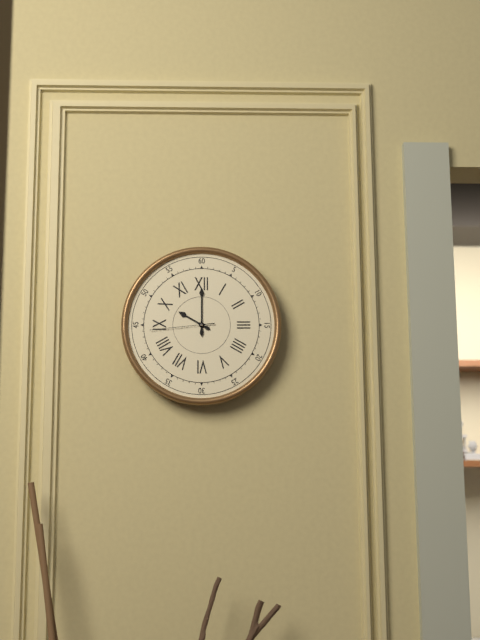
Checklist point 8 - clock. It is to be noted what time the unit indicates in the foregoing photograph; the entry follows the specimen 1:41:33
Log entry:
10:00:44
